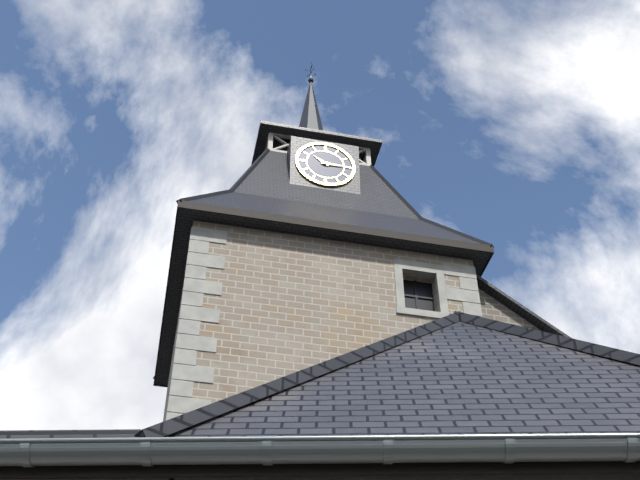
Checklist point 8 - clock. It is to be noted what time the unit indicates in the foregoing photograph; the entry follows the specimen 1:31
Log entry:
10:15
